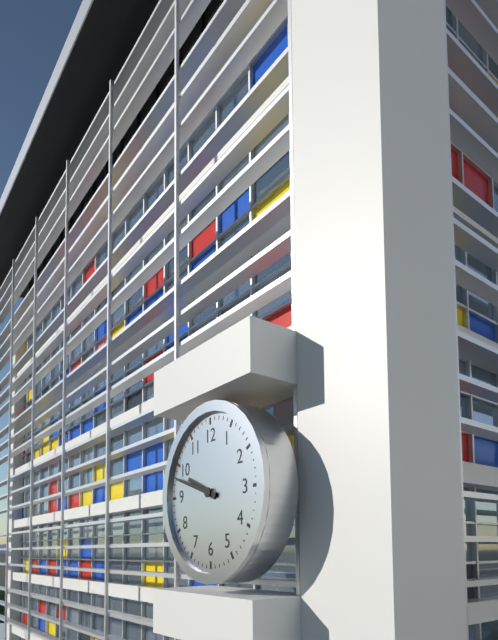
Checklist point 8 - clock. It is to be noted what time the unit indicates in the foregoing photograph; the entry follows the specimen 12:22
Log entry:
9:48
